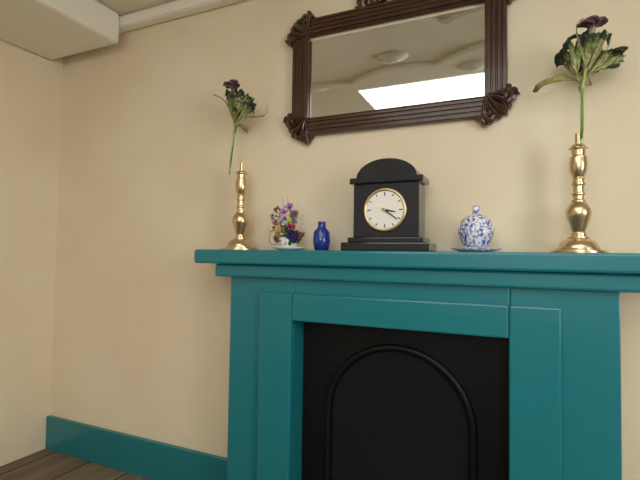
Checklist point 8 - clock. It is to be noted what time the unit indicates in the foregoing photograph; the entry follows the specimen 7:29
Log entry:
3:21
